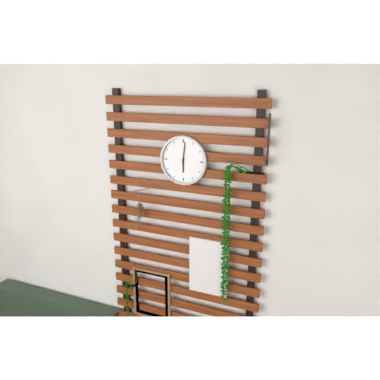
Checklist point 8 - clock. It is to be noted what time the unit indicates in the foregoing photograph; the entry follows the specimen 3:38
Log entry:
6:01
